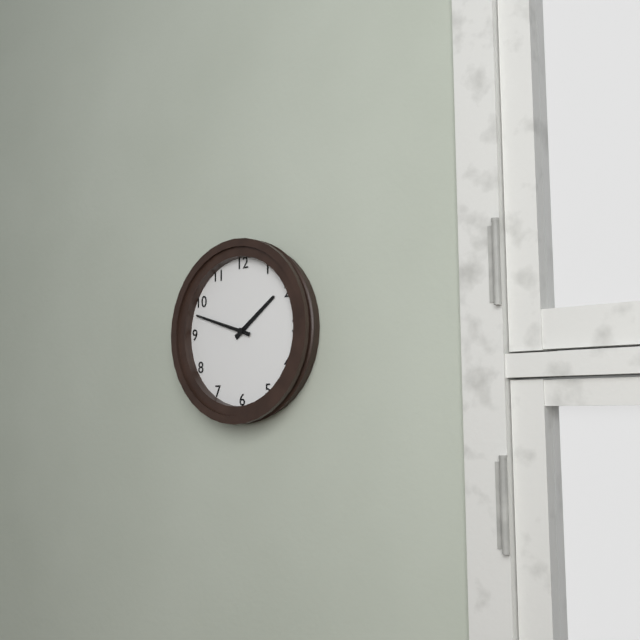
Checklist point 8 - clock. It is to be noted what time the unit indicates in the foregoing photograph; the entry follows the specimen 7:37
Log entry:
1:48
